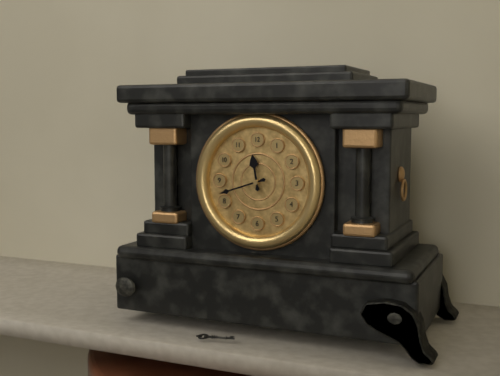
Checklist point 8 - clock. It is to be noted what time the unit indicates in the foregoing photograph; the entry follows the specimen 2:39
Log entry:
11:42
